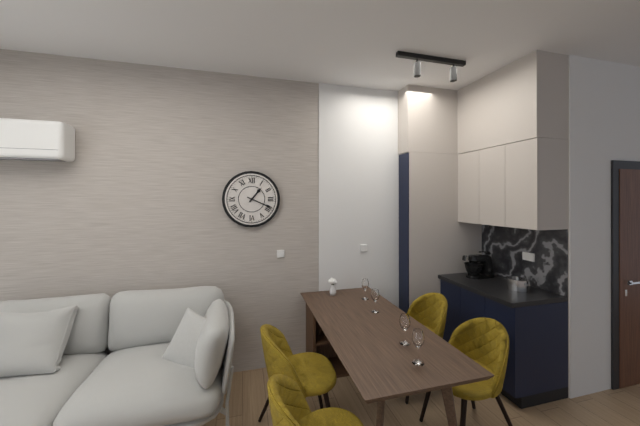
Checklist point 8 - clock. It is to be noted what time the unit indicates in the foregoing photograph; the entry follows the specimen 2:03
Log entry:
1:19
